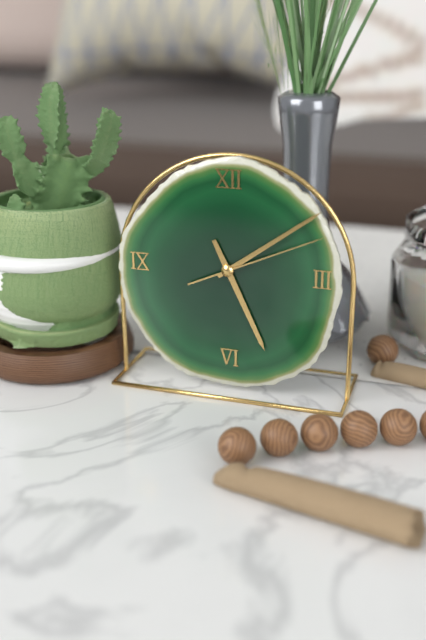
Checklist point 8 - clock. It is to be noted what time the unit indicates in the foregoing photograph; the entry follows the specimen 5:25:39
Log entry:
5:09:11
